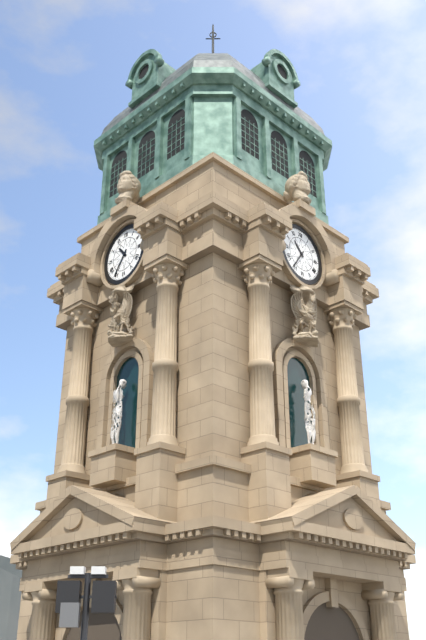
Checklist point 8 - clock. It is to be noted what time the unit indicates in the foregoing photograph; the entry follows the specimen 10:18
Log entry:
10:36
